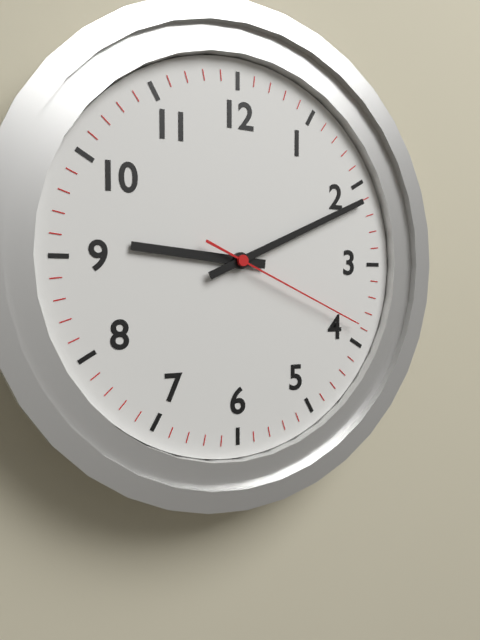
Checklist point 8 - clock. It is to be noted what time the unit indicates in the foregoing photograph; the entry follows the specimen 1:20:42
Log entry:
9:11:19
